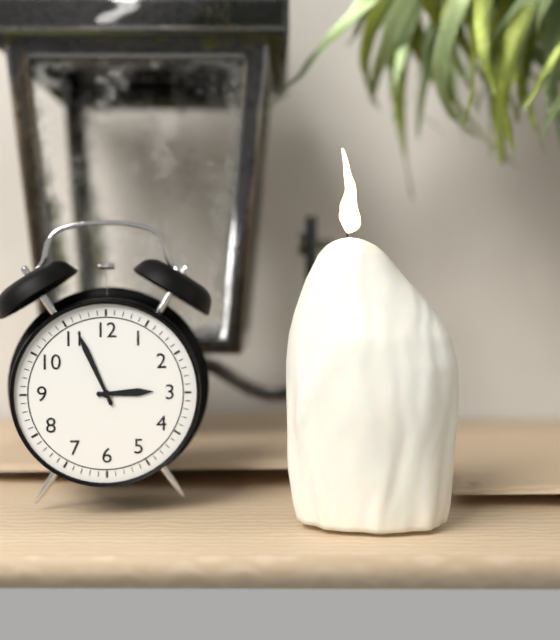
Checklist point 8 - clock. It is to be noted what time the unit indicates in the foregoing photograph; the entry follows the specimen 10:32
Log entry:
2:56
